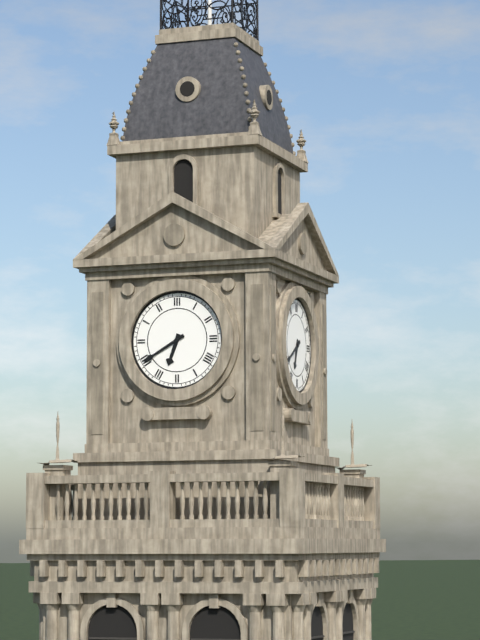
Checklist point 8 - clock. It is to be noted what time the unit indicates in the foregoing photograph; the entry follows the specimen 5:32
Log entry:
6:40
